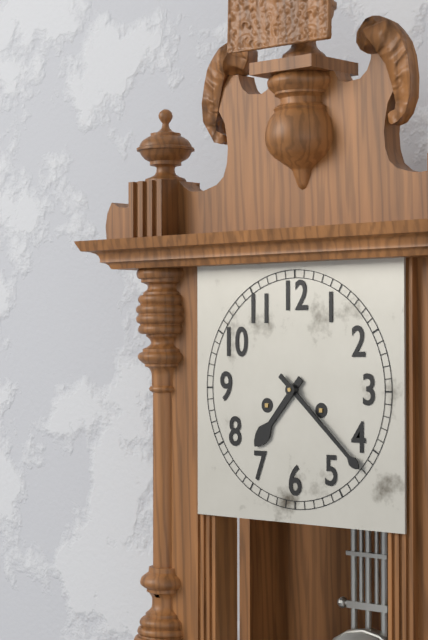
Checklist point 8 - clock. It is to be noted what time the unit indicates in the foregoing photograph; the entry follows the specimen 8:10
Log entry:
7:22
